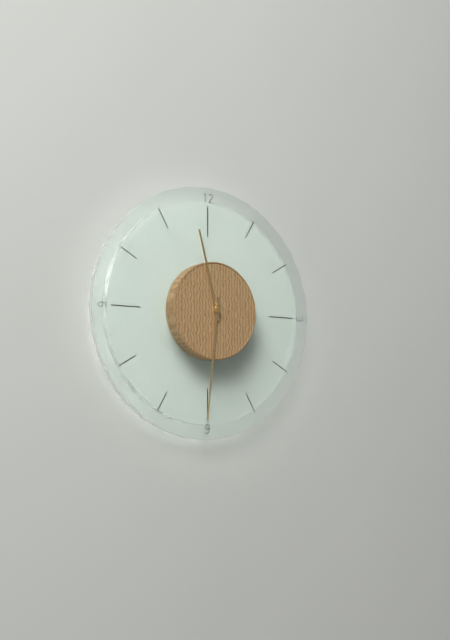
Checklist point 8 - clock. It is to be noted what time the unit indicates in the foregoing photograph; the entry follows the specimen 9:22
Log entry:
11:31
